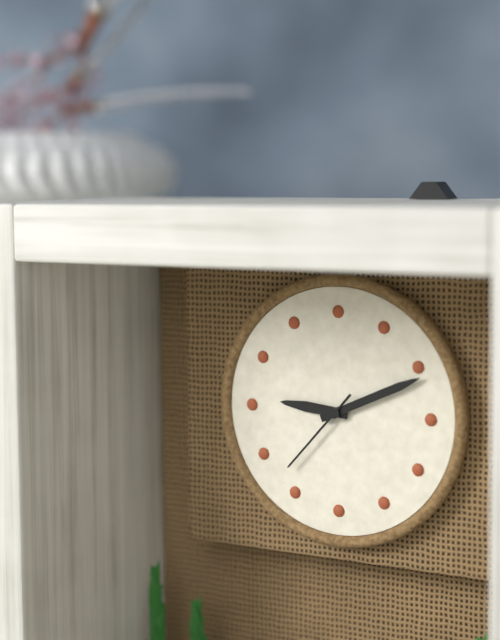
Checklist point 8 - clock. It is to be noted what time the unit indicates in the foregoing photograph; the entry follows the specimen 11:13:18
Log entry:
9:11:37
